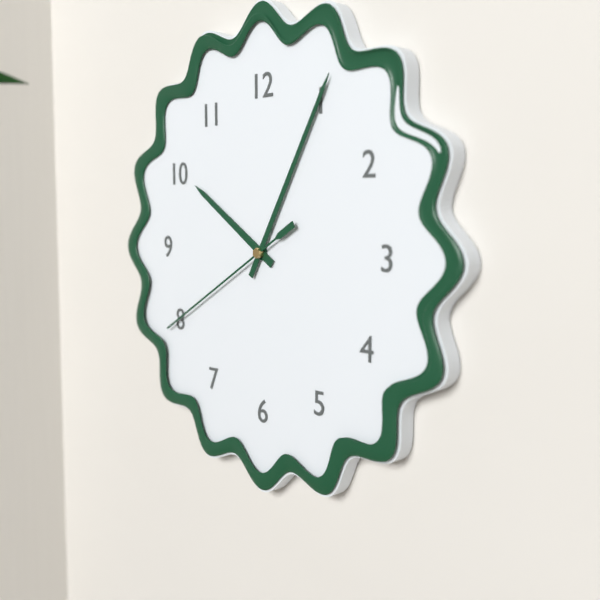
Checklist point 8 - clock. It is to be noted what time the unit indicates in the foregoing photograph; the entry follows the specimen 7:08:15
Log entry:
10:05:40
